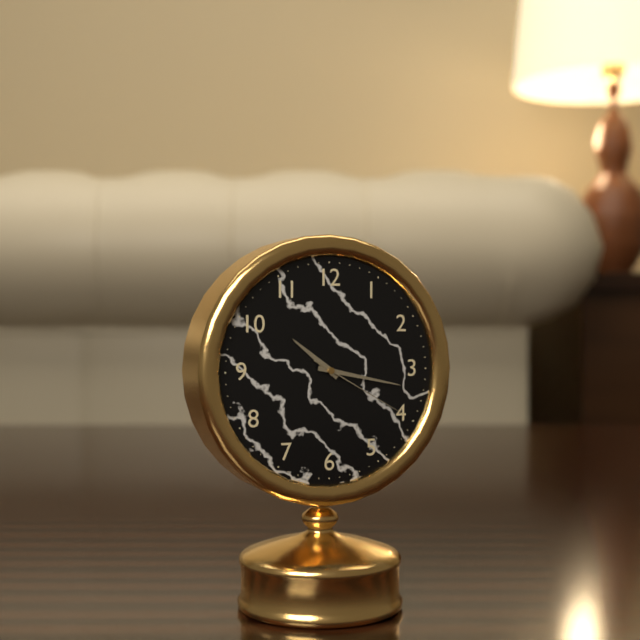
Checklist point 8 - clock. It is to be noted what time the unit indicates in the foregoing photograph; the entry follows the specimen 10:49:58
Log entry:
10:17:20
